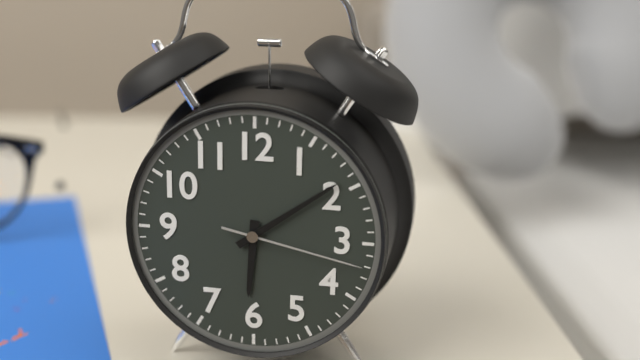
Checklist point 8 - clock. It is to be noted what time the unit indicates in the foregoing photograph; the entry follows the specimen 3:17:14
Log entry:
6:09:17
